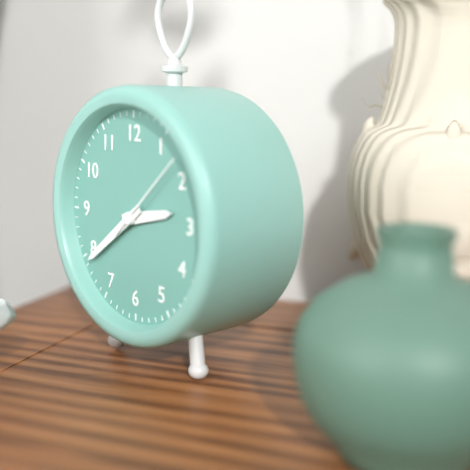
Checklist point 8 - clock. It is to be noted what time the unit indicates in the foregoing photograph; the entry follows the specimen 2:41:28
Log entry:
2:39:08
